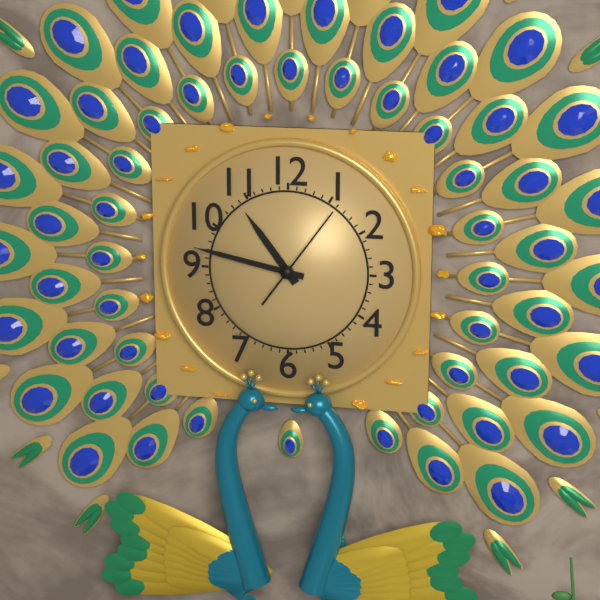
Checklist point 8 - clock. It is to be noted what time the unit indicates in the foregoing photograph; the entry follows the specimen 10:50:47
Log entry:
10:47:06
